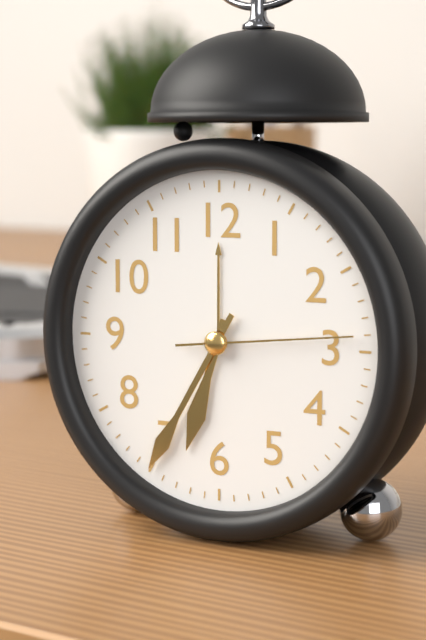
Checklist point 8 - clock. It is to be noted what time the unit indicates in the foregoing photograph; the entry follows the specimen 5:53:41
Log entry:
6:35:14
